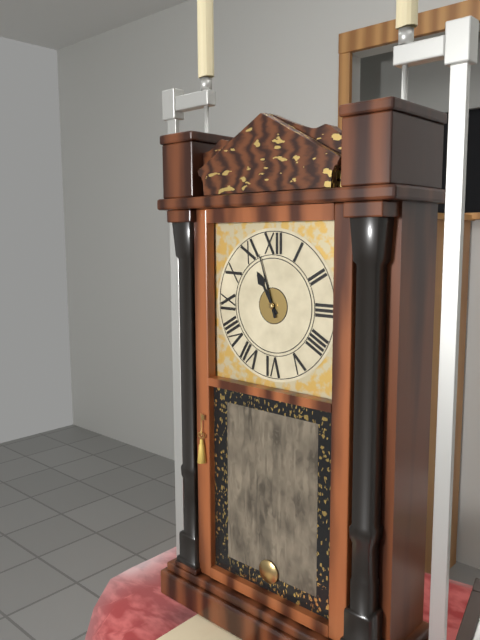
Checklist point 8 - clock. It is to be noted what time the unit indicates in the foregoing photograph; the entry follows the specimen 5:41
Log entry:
10:57
